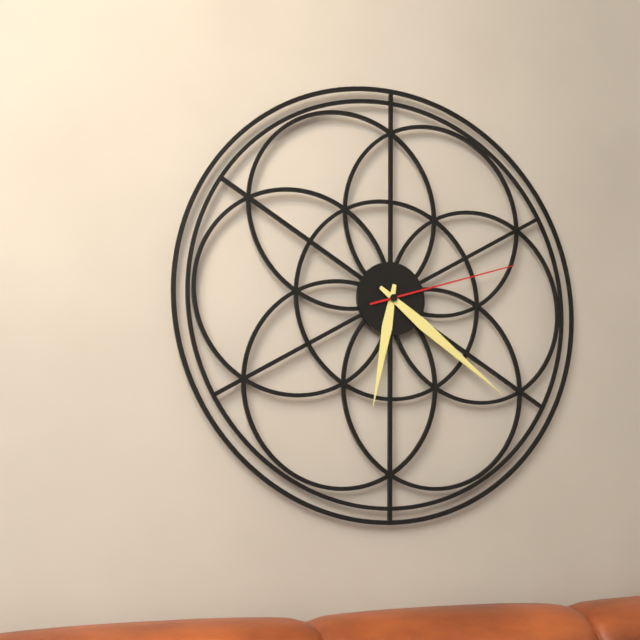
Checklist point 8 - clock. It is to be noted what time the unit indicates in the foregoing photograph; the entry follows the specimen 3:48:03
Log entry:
6:21:12
